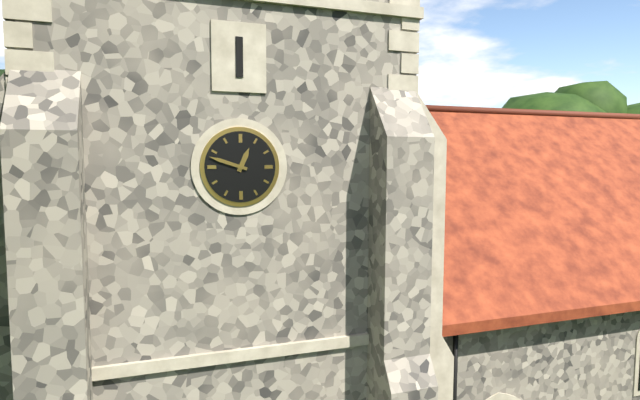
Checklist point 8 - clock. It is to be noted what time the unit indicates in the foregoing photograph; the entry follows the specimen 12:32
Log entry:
12:48
